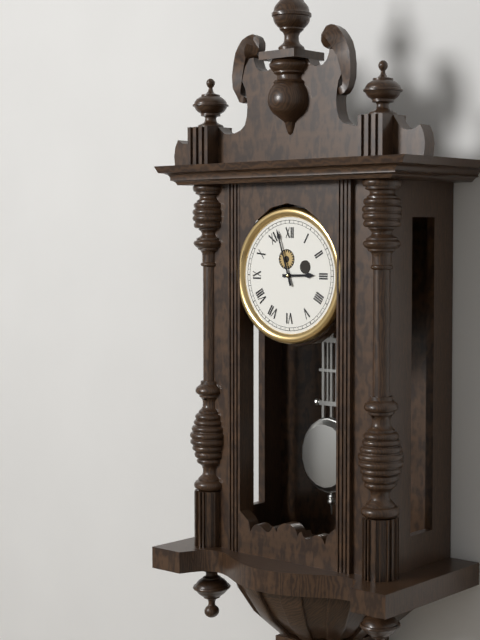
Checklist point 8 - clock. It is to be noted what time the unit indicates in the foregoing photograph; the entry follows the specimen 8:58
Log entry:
2:57
